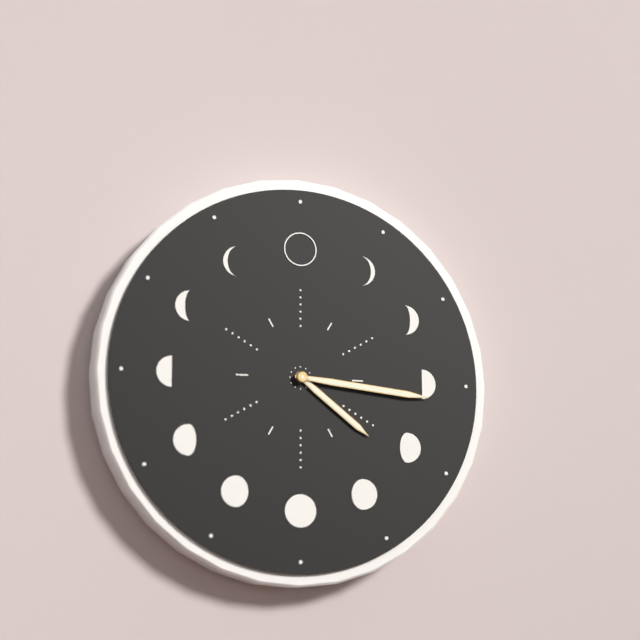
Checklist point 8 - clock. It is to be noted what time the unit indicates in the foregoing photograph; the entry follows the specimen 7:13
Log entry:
4:16
